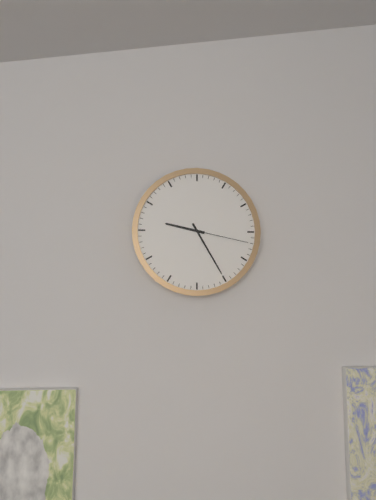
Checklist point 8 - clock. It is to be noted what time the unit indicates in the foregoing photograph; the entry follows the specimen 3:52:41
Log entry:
9:25:17
